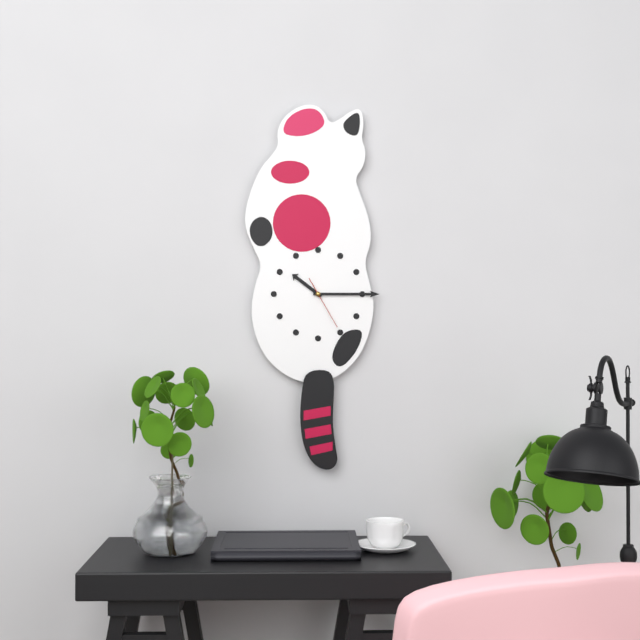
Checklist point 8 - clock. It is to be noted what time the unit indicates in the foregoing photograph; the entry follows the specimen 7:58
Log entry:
10:15
